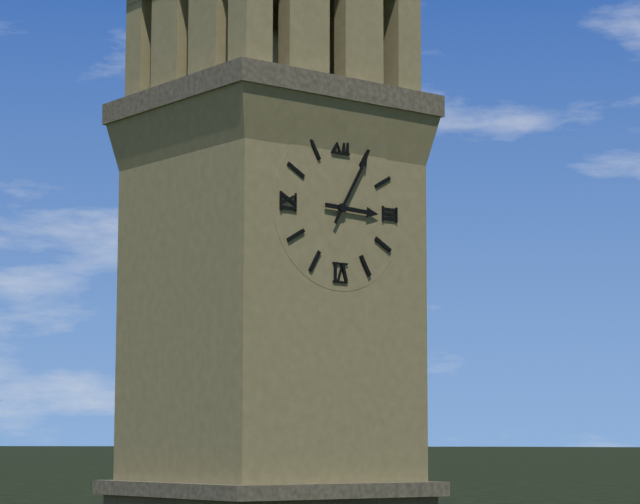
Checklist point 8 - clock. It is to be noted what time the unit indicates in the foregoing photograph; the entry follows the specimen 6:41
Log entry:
3:05
